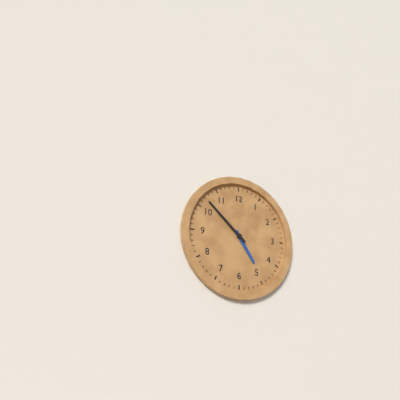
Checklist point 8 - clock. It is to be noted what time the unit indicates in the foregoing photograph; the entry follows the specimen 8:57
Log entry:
4:52
